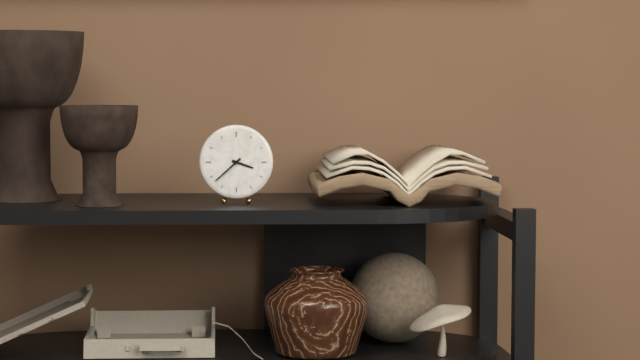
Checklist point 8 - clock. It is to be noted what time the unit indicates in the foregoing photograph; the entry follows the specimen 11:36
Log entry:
3:38
